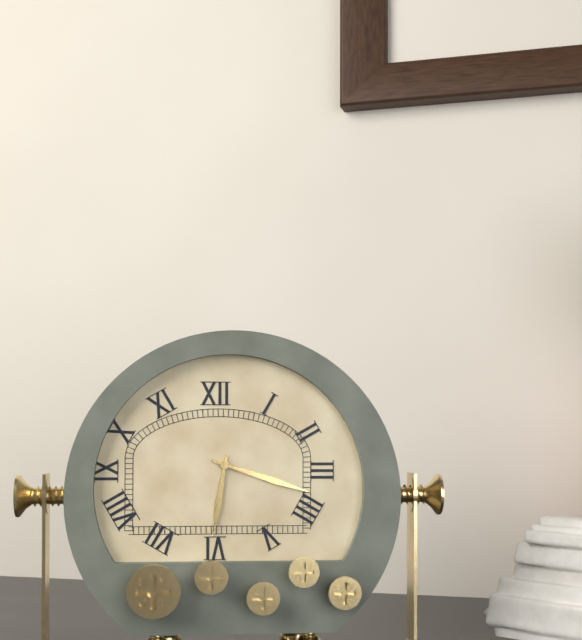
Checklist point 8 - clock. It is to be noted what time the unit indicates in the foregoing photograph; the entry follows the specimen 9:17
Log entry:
6:18
